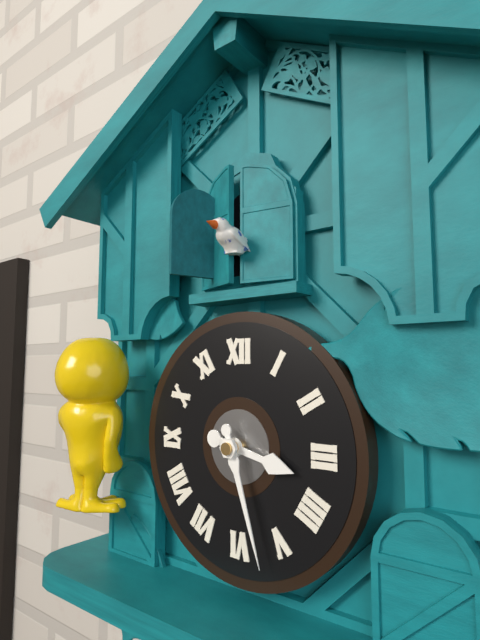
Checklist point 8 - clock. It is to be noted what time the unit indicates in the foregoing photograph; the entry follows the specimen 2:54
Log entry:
3:27
